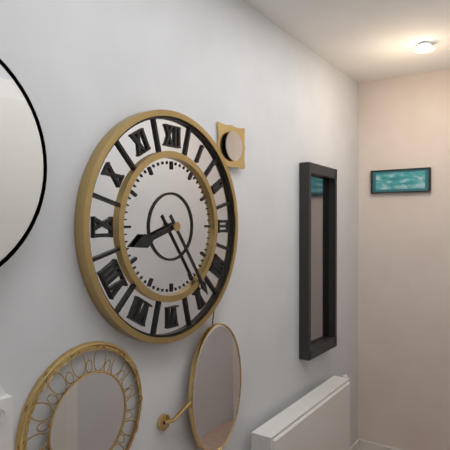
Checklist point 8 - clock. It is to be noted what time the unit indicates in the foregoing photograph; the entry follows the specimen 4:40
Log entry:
8:24
